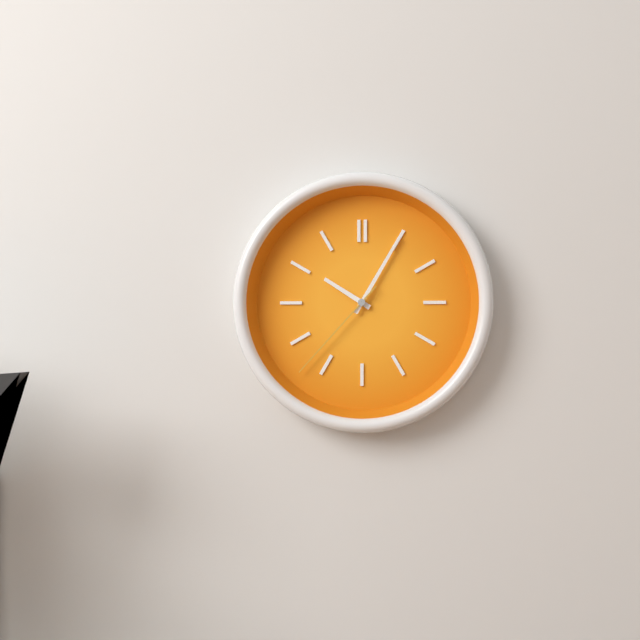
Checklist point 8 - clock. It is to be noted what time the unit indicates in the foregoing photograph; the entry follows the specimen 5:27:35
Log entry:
10:05:37
